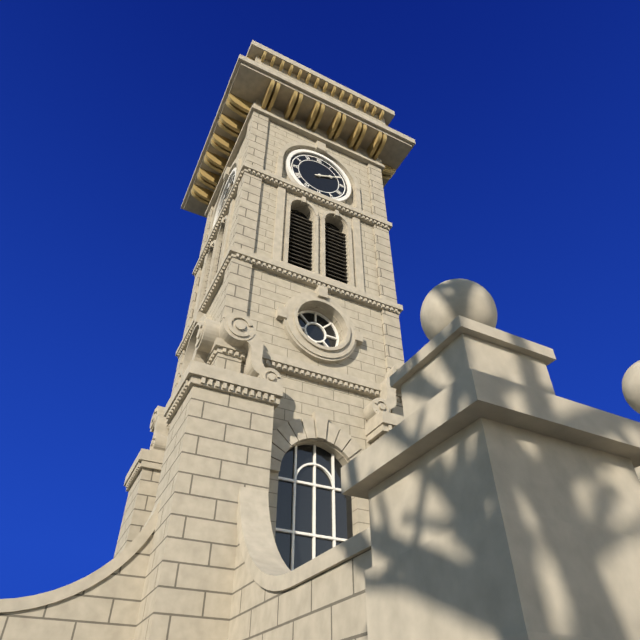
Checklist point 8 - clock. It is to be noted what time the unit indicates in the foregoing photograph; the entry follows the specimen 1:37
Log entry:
2:11
